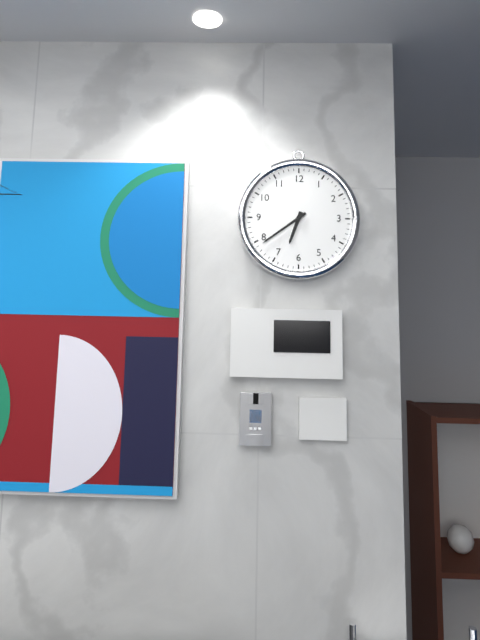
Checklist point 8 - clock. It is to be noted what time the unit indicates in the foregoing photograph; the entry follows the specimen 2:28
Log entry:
6:39
